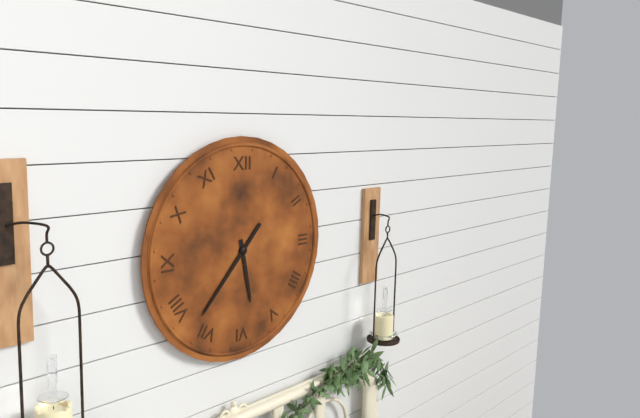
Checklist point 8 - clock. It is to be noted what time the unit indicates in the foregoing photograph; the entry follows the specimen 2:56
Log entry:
5:37
